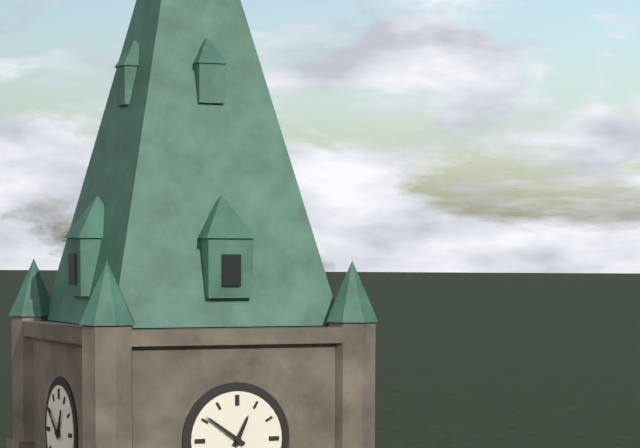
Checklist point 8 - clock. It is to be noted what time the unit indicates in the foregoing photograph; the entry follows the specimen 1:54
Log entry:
12:51
